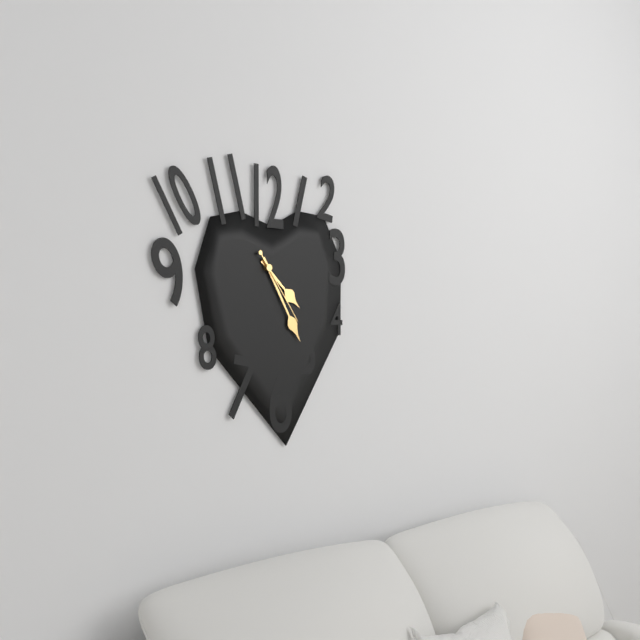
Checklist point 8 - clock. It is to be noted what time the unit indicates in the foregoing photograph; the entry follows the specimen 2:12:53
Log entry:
4:25:24
